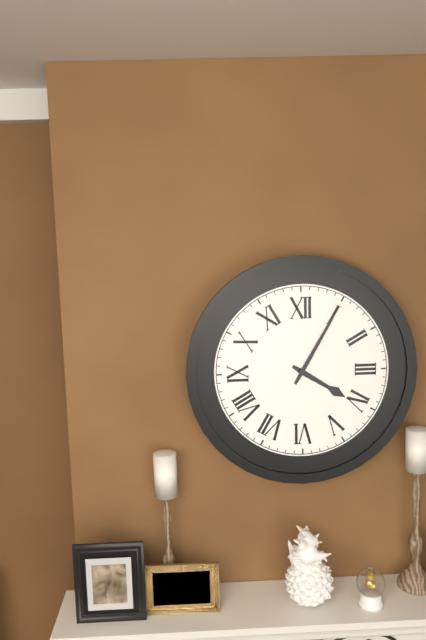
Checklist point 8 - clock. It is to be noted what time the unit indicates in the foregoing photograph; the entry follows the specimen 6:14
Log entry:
4:05
